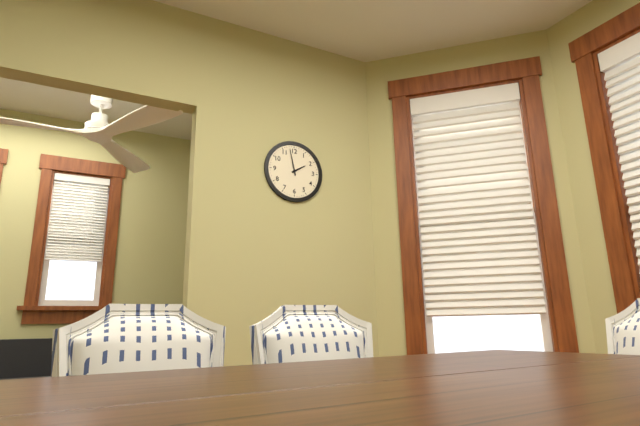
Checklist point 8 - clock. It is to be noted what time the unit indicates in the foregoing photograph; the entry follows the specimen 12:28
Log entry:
1:58
